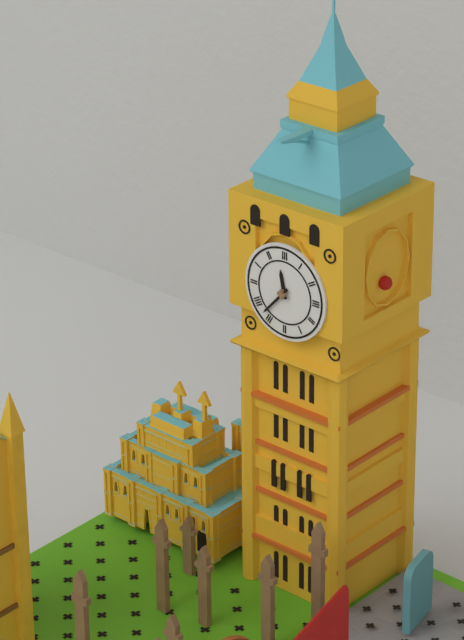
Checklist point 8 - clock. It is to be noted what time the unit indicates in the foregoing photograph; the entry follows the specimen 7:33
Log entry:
11:37
